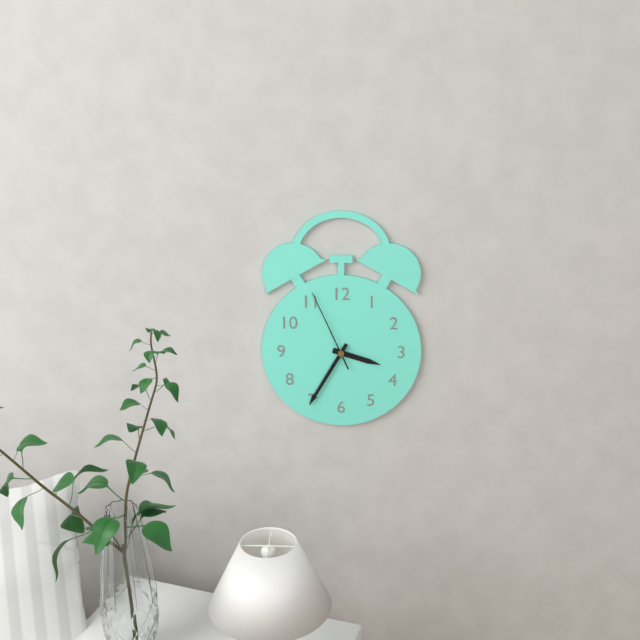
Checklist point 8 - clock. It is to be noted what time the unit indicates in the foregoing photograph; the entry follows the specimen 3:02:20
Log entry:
3:35:56
